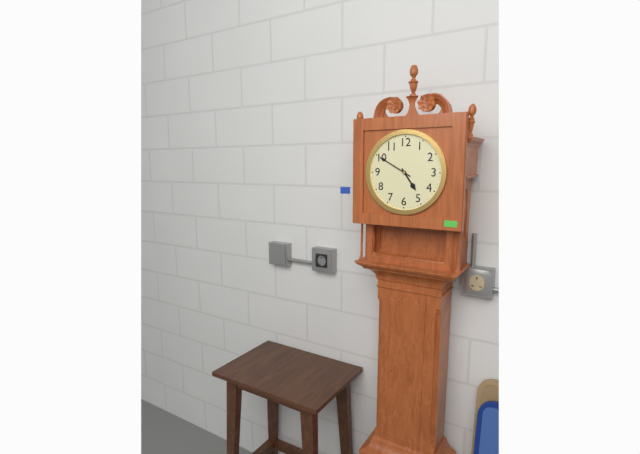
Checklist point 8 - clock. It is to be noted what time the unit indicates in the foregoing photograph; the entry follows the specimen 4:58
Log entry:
4:50
